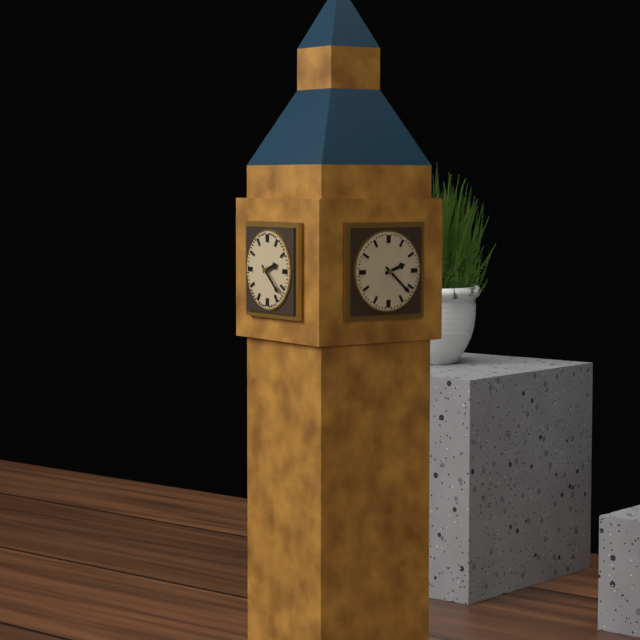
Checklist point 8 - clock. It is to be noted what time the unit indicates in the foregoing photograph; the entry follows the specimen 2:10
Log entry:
2:22
